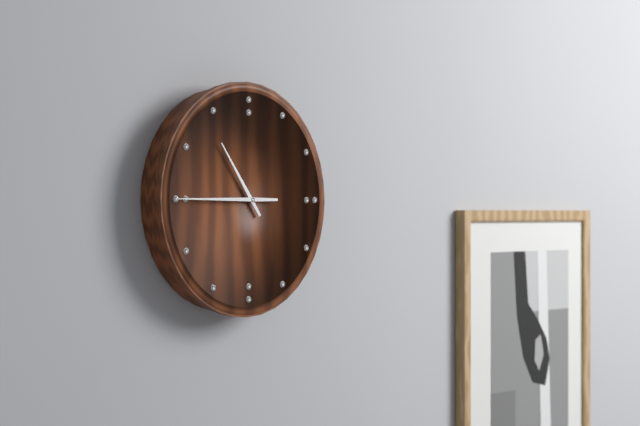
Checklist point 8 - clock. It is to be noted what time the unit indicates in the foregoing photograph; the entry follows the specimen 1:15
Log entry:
10:45
